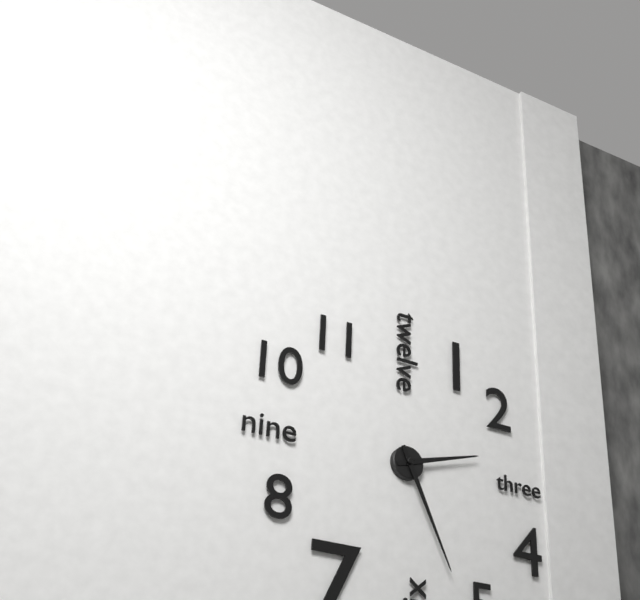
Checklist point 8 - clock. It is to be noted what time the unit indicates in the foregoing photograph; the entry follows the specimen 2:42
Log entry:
2:26
